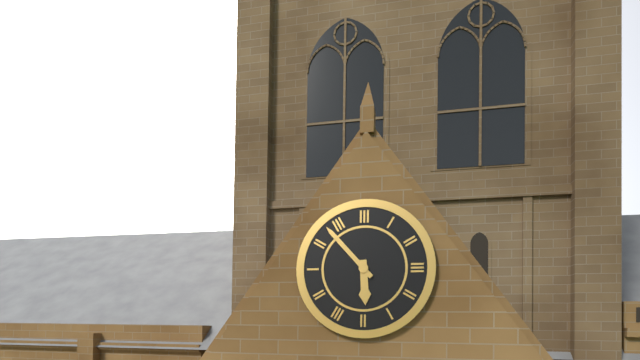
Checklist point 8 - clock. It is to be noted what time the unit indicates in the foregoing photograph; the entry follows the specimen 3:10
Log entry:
5:53
